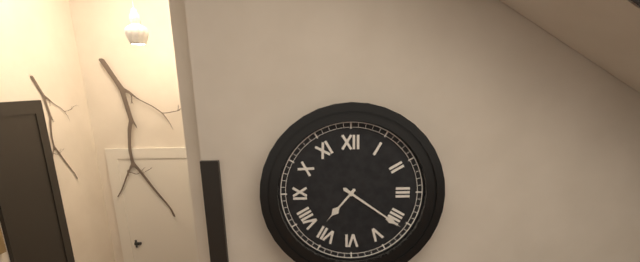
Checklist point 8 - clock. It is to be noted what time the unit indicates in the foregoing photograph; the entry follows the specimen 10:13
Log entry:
7:21
